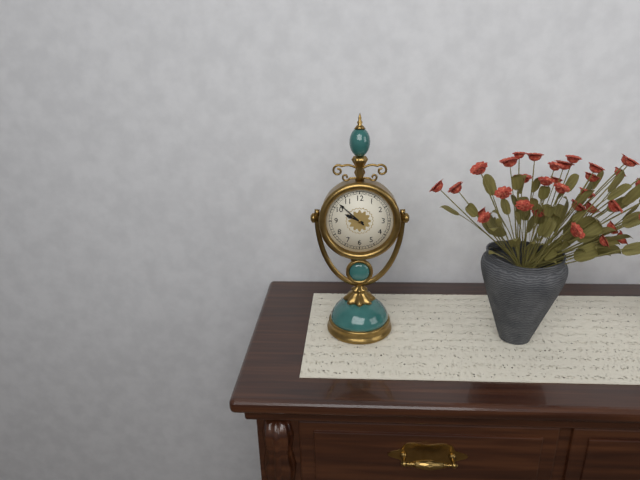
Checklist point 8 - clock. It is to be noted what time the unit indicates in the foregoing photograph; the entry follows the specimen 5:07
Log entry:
9:52
